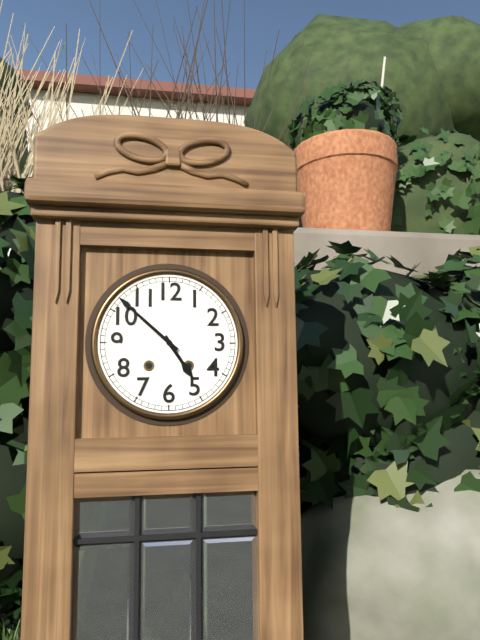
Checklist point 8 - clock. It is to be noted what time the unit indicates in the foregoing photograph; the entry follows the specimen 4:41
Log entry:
4:52
